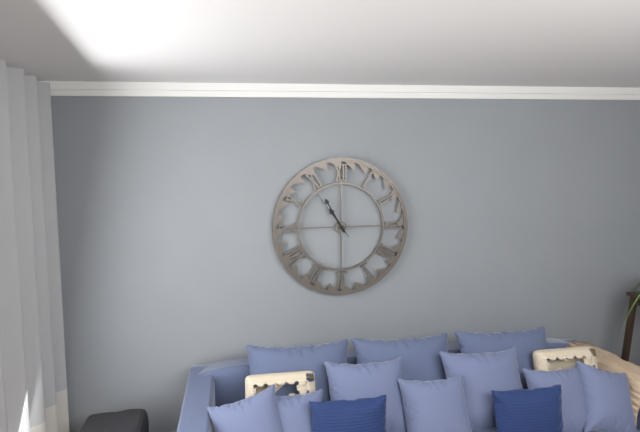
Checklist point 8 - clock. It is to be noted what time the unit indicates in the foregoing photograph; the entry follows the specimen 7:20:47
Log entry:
10:55:54
